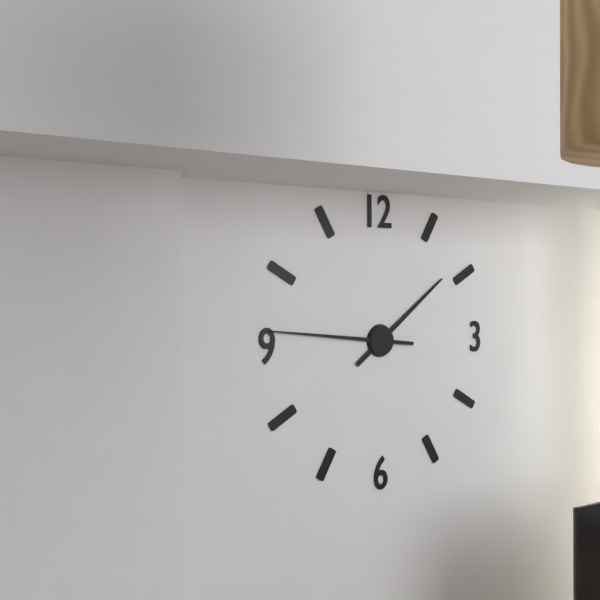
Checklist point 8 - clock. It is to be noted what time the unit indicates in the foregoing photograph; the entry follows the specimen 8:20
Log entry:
1:46
